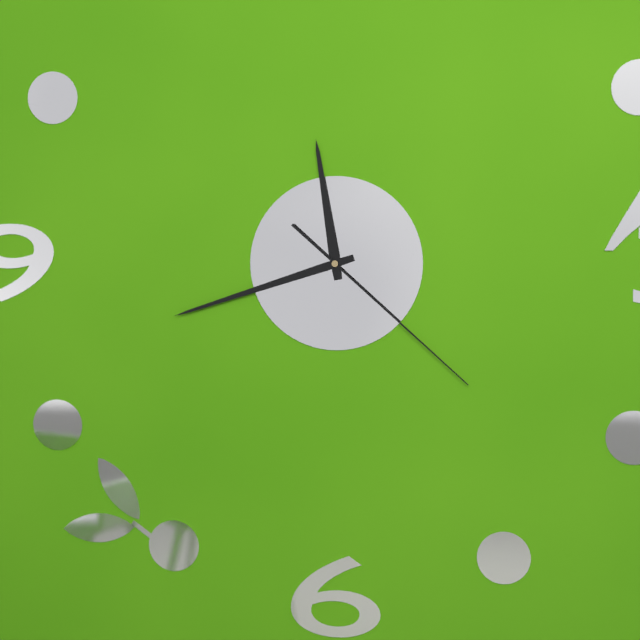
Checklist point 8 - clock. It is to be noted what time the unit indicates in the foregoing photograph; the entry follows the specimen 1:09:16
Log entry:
11:42:22
